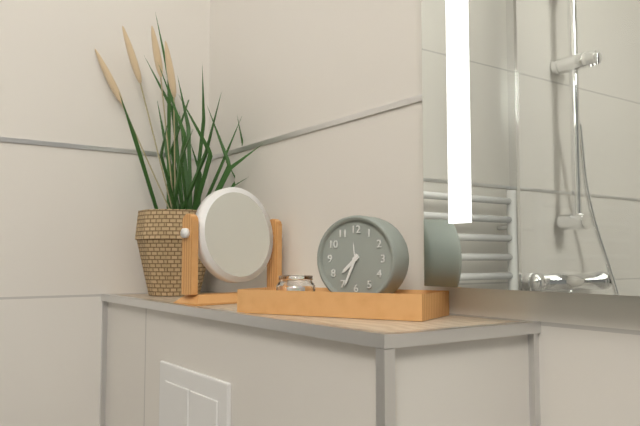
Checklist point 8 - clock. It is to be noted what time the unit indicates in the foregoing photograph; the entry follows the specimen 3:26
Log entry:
7:34
